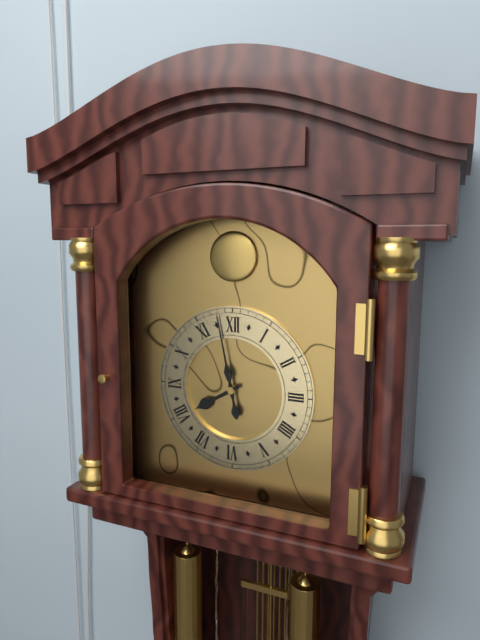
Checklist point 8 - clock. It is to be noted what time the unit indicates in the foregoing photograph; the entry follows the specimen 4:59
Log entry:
7:58
